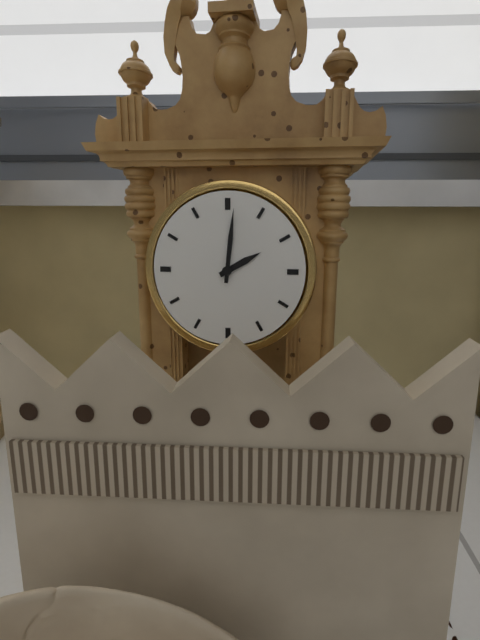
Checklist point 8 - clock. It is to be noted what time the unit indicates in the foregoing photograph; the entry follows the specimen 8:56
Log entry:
2:01
